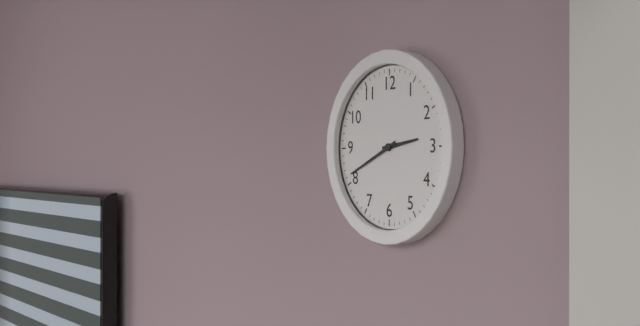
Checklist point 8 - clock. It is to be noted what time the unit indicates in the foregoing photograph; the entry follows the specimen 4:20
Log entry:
2:41
